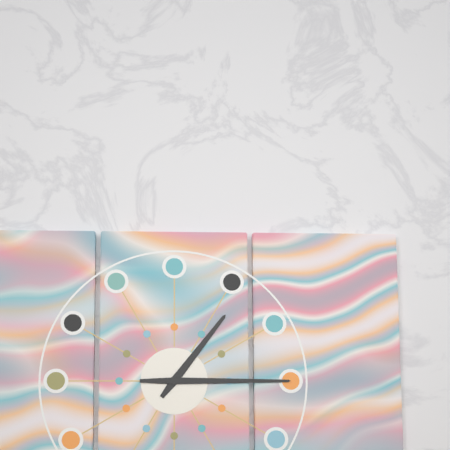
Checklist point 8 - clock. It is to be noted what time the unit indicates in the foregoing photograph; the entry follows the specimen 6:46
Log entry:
1:15
